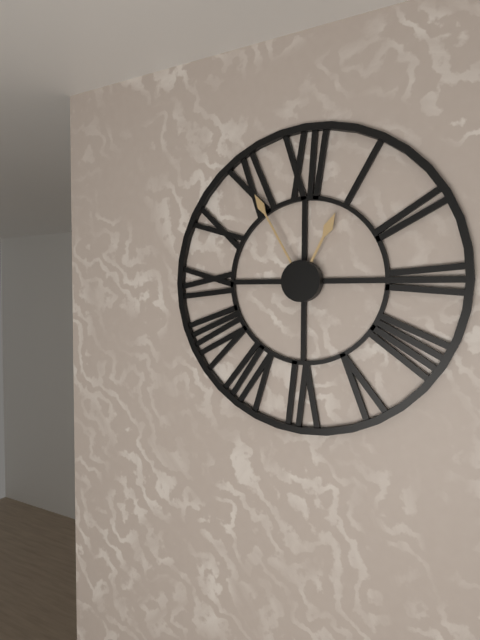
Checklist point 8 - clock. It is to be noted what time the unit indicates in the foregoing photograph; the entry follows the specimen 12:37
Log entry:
12:55
